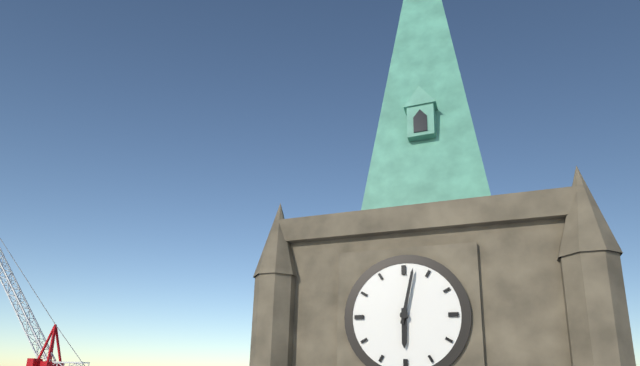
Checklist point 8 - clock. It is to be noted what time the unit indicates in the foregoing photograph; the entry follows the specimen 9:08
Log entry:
6:02
